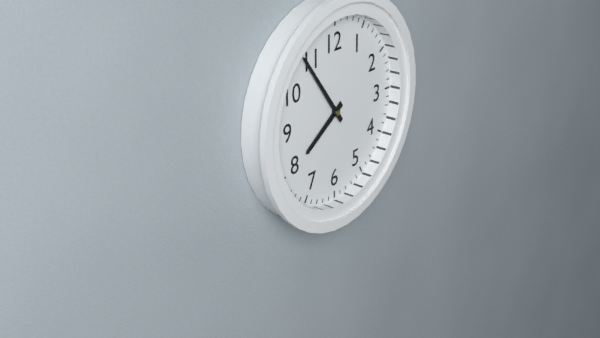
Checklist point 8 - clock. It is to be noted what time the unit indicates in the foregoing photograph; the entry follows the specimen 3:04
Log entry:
7:54
